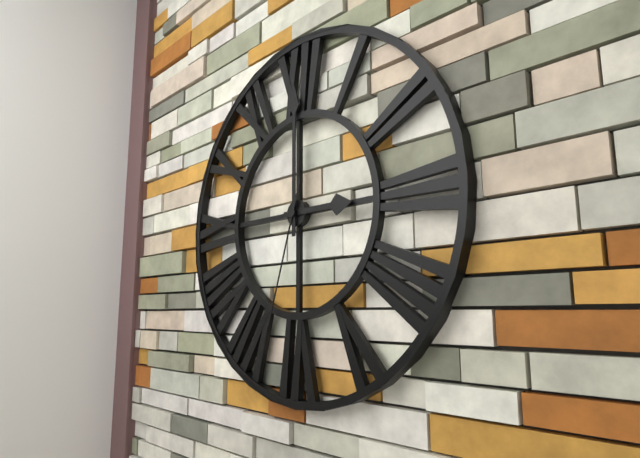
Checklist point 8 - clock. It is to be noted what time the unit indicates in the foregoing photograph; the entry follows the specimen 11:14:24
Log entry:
3:00:33
